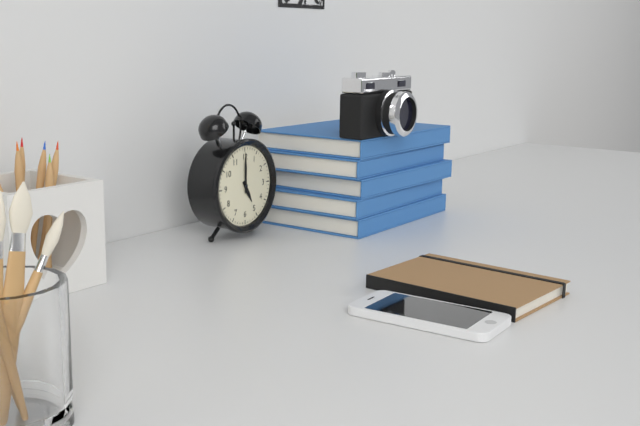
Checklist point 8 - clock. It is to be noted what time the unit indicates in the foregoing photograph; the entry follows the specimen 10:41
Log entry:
5:00
